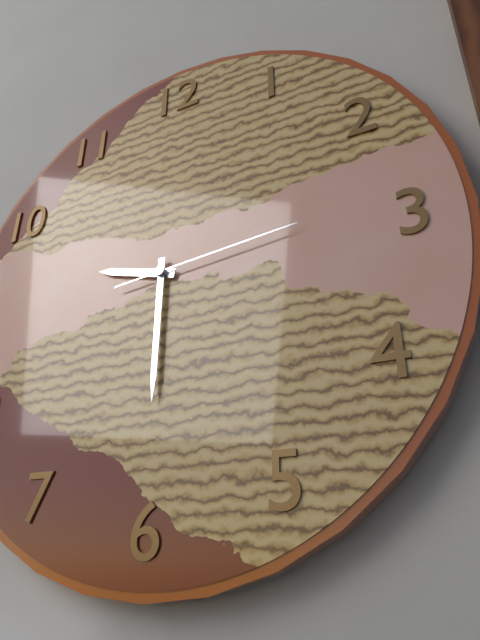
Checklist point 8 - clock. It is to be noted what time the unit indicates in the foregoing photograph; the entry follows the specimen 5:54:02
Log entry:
9:30:14
